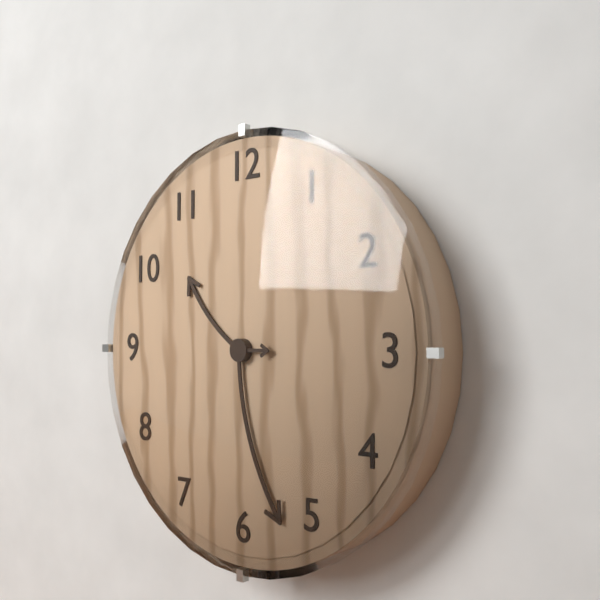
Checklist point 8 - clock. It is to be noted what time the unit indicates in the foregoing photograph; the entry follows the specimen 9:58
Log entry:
10:27
